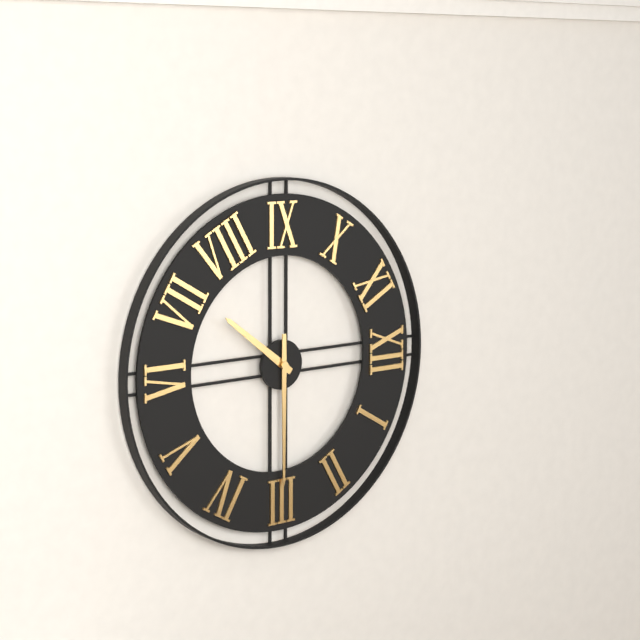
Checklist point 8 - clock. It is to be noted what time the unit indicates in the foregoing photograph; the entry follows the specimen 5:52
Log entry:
7:15
